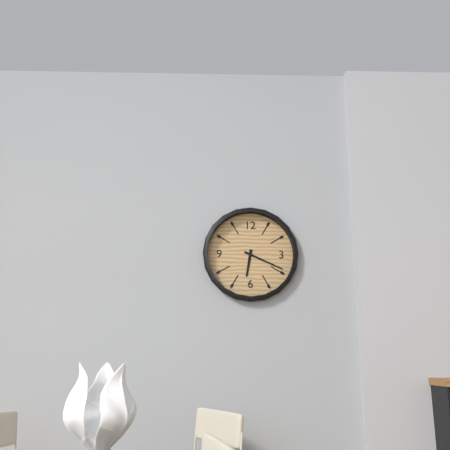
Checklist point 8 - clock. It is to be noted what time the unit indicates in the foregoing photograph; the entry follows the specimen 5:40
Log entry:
6:19
